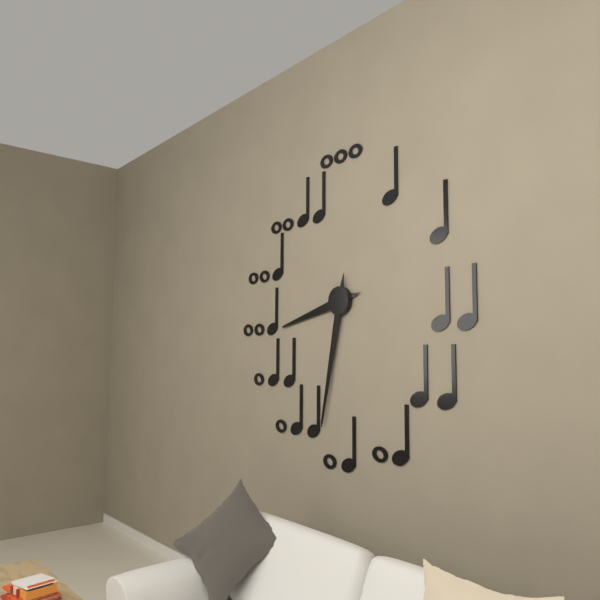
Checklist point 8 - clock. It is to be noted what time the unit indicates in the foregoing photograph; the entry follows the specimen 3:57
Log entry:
8:32
